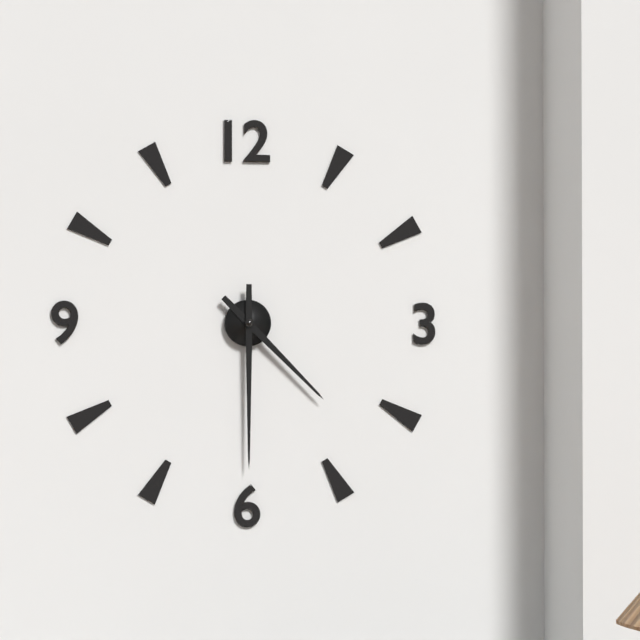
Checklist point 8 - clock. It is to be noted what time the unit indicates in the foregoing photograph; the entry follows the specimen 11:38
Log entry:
4:30
